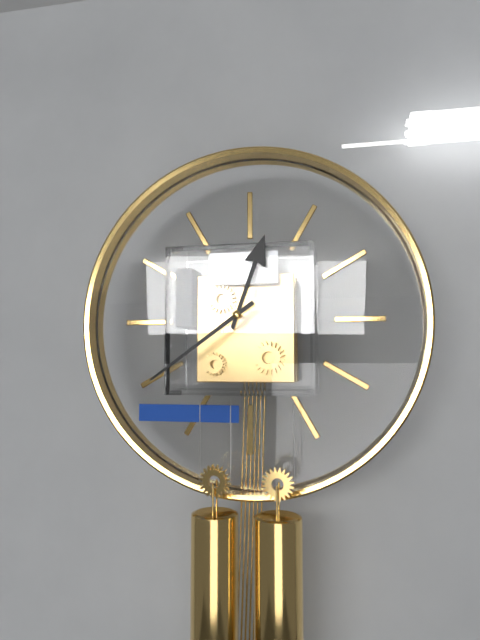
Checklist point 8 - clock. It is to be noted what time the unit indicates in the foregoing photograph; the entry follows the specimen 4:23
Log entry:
12:39
